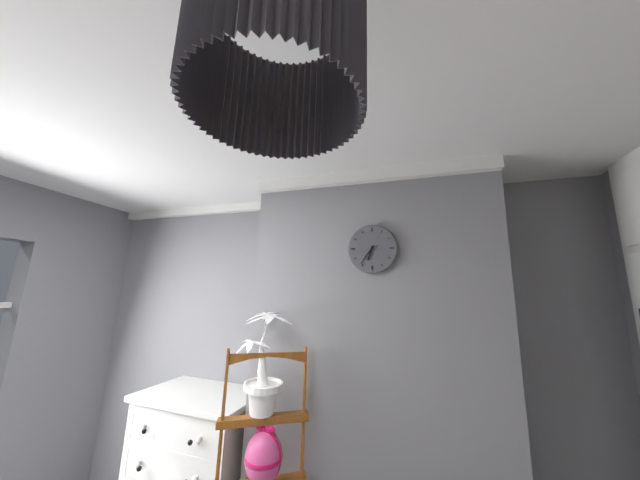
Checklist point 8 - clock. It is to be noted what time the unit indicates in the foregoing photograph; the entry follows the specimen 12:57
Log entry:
6:36
